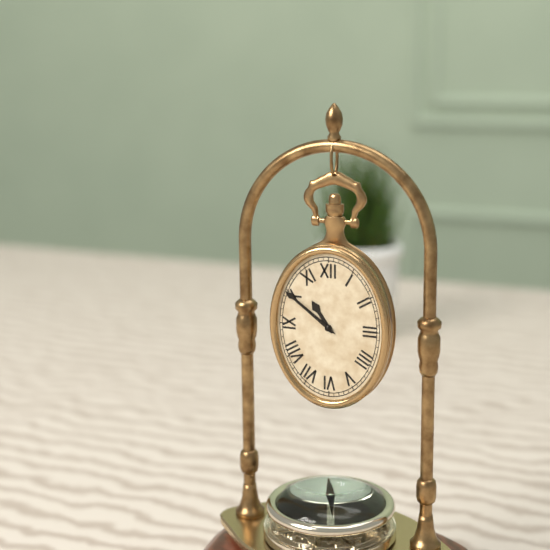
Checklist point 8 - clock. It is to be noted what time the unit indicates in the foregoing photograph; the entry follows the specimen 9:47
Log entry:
10:51
